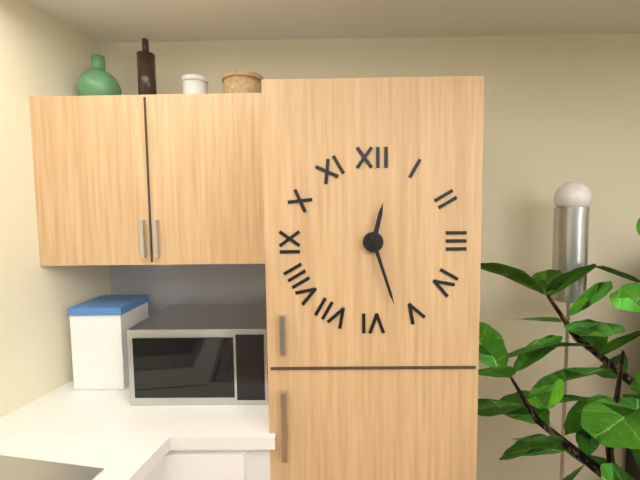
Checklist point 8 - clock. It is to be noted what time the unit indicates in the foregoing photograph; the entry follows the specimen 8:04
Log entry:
12:27
